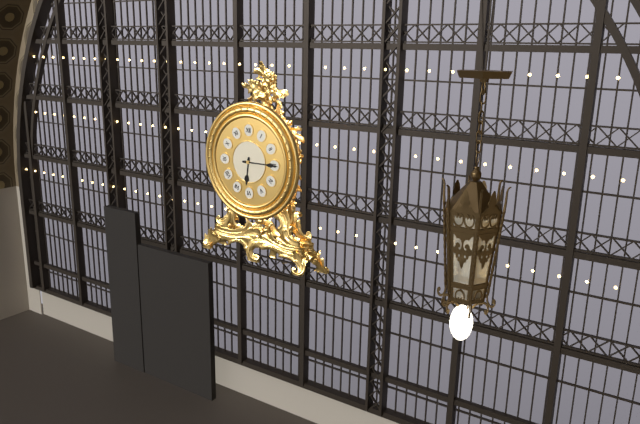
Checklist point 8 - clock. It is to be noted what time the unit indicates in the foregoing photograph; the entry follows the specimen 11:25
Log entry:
6:15
